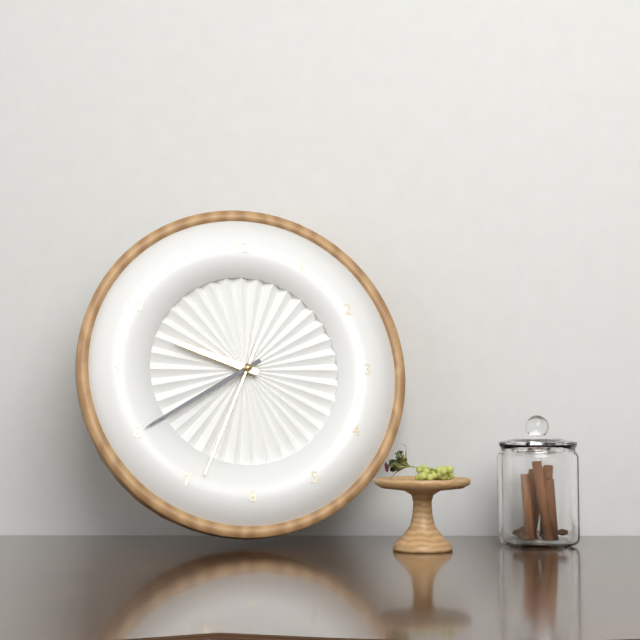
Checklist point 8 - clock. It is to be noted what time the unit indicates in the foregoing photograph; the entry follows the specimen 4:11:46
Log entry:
9:40:34
